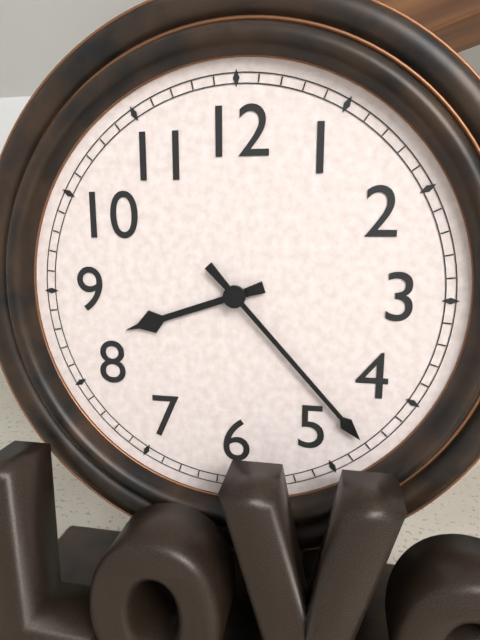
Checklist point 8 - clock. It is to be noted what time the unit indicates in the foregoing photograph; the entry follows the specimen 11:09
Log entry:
8:23
